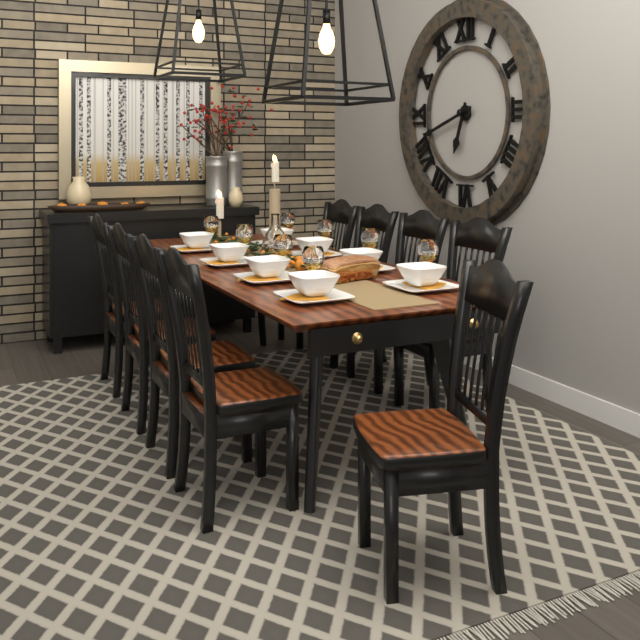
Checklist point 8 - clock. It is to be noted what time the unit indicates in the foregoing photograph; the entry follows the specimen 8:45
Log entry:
6:42
